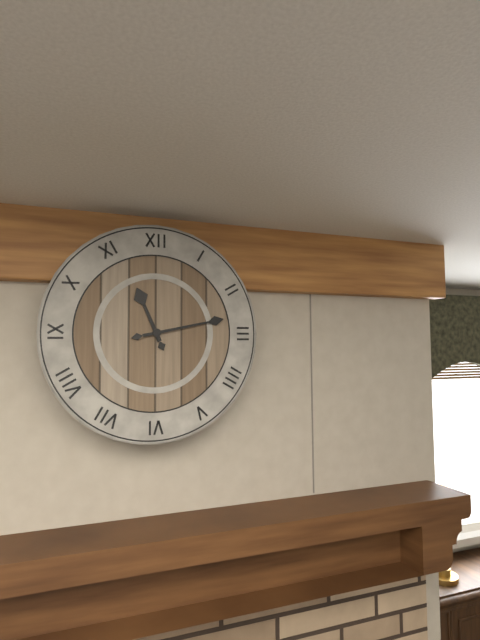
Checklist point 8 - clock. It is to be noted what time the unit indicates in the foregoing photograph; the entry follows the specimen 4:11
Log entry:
11:13
